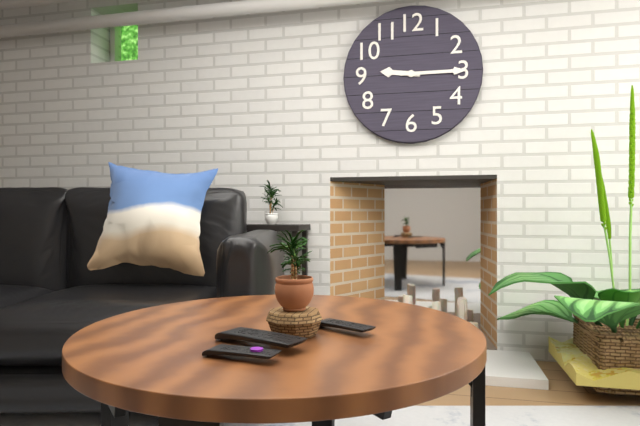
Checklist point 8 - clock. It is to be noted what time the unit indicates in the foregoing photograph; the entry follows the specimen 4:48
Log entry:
9:15
